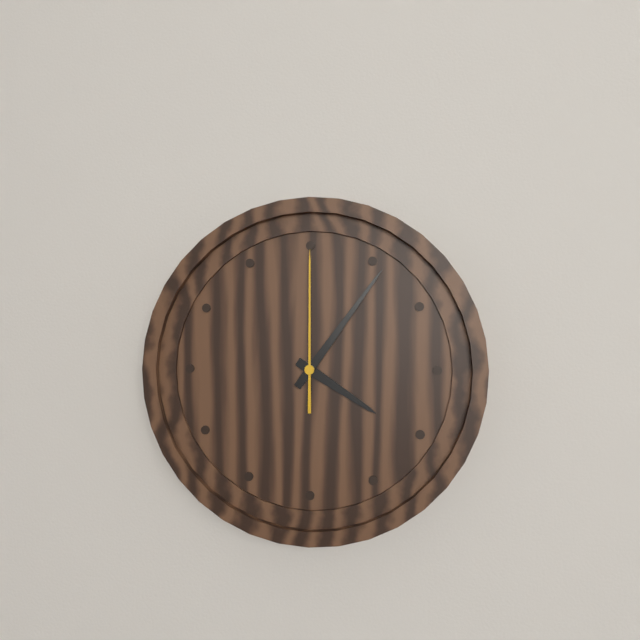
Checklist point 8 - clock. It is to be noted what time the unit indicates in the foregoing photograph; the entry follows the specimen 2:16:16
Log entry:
4:06:00
